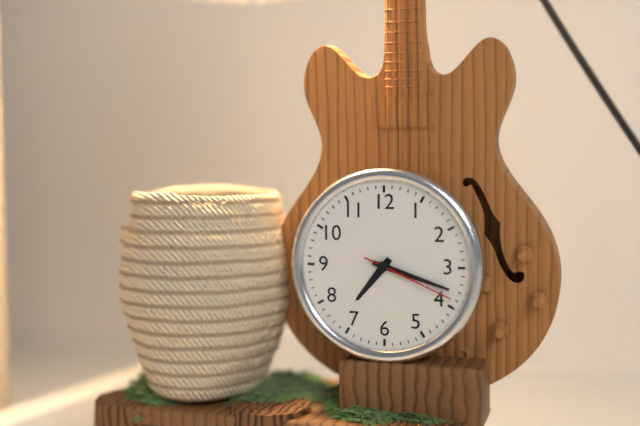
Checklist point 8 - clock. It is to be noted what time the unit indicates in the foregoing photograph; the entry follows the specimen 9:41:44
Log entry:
7:18:19
